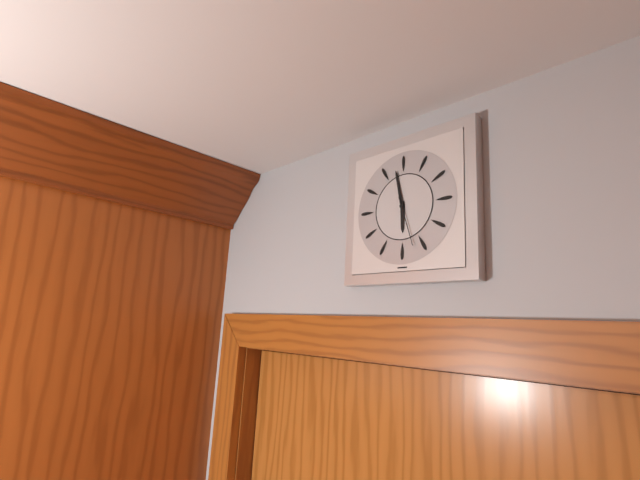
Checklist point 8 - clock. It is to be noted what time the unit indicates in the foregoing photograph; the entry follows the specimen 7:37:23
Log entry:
5:58:27
